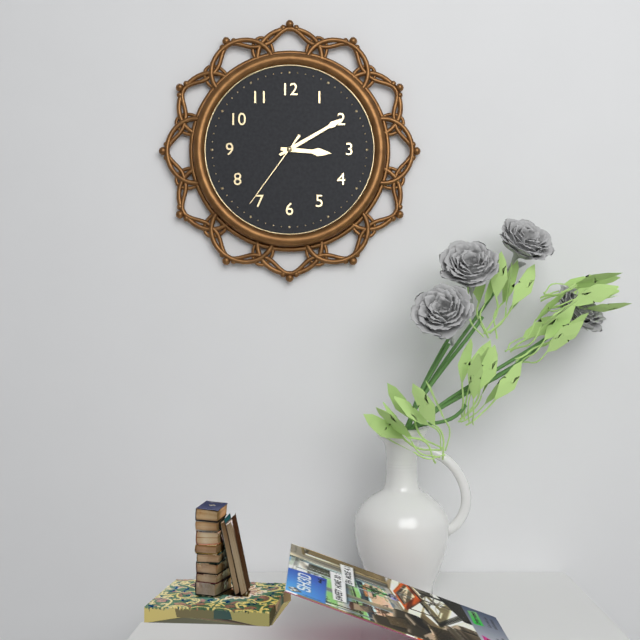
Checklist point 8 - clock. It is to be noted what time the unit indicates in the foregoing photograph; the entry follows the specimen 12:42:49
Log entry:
3:10:36
